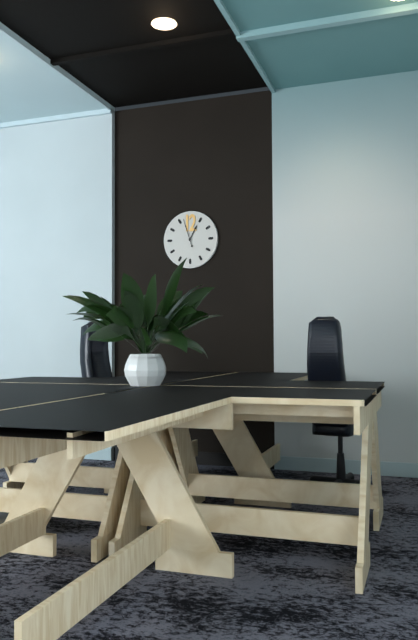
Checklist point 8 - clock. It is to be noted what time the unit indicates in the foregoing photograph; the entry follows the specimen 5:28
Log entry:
12:57
